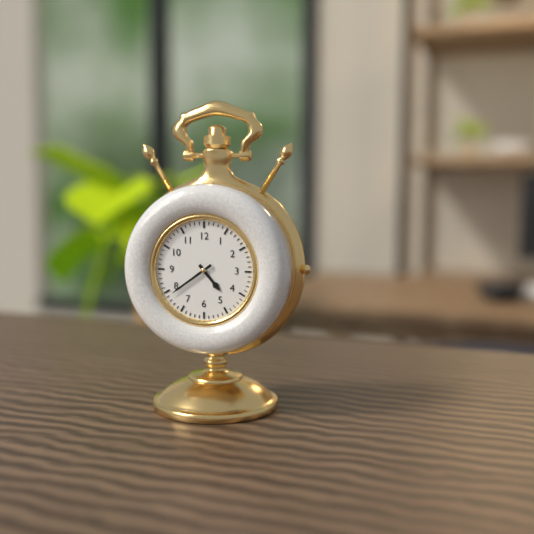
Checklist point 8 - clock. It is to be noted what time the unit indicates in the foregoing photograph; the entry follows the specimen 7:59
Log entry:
4:39
